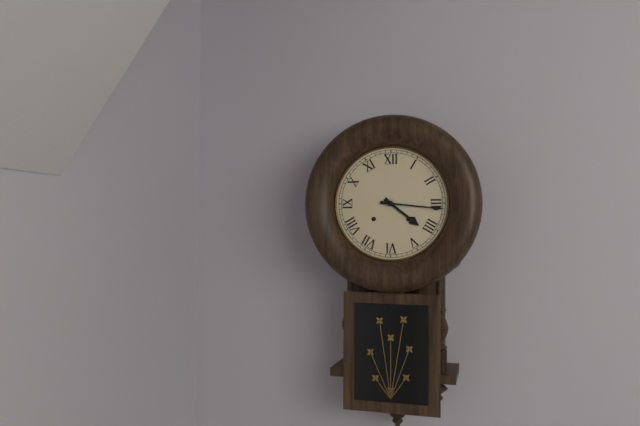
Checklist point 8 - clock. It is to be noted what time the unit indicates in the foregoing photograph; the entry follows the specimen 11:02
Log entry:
4:16
